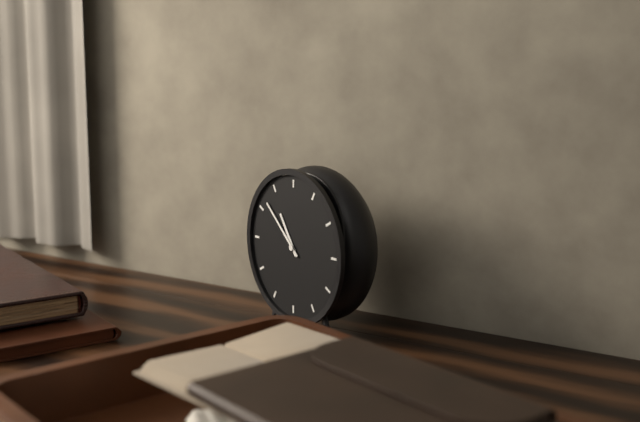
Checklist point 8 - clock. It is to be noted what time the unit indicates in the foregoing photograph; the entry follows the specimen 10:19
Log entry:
10:52
